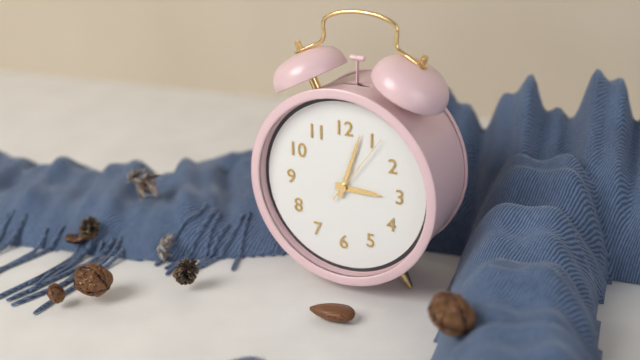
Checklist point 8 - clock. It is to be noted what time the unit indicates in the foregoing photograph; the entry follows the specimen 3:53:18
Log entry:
3:03:06
